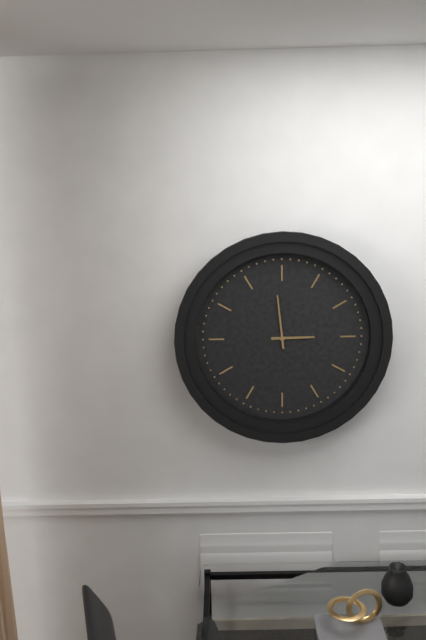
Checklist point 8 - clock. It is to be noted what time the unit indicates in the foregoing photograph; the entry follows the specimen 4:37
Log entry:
2:59
